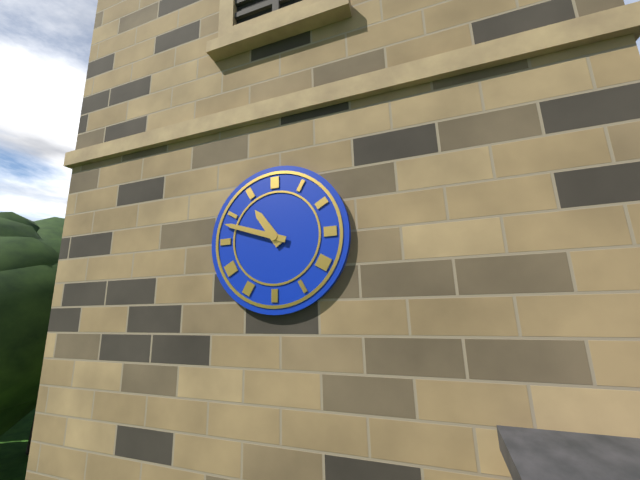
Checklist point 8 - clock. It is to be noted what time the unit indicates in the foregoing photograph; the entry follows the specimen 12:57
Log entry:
10:48
